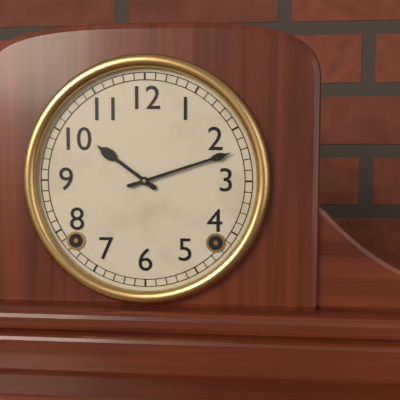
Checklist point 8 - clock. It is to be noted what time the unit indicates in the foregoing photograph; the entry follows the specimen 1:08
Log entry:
10:12
